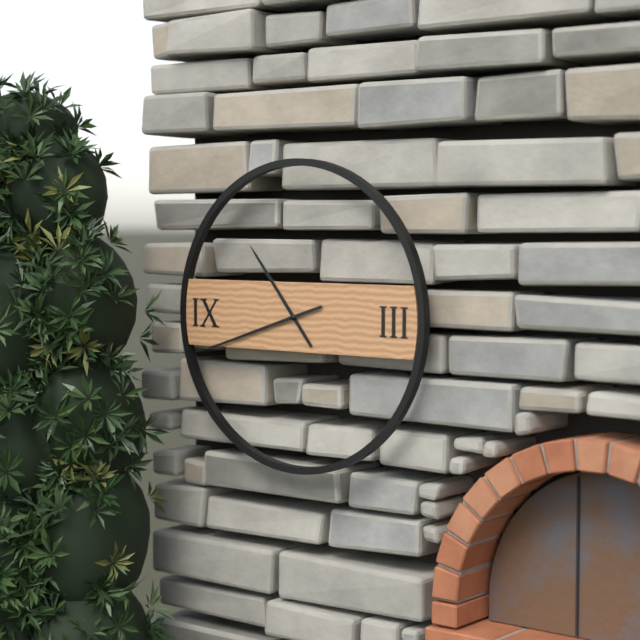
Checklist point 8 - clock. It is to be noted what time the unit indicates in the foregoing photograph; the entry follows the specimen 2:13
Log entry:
10:42
